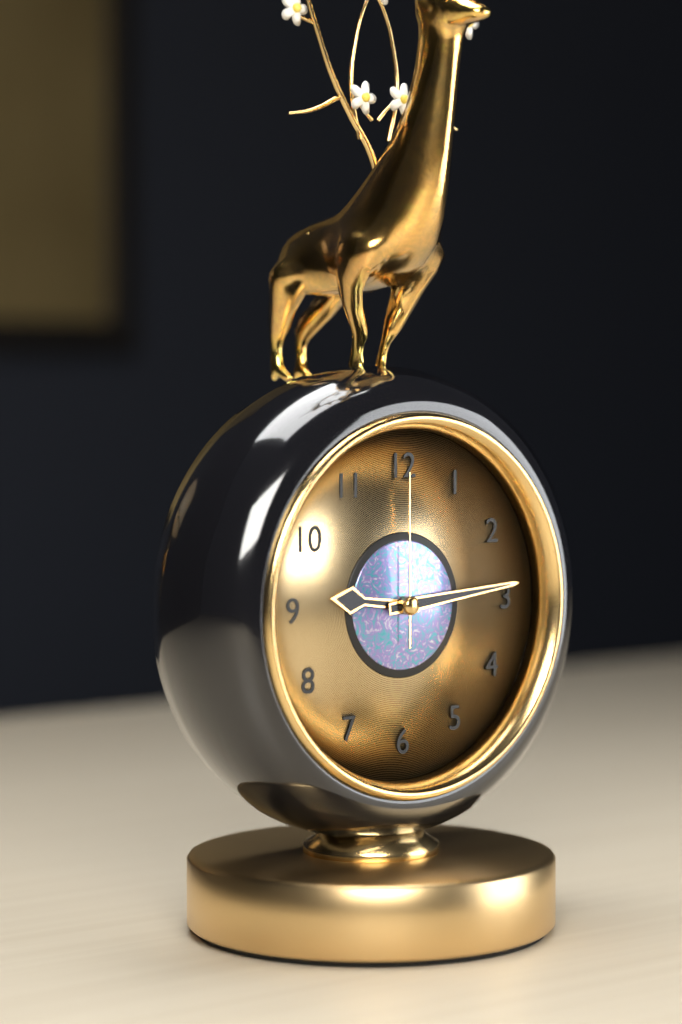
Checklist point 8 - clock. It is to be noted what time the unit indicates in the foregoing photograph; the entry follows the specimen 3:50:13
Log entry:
9:14:00
